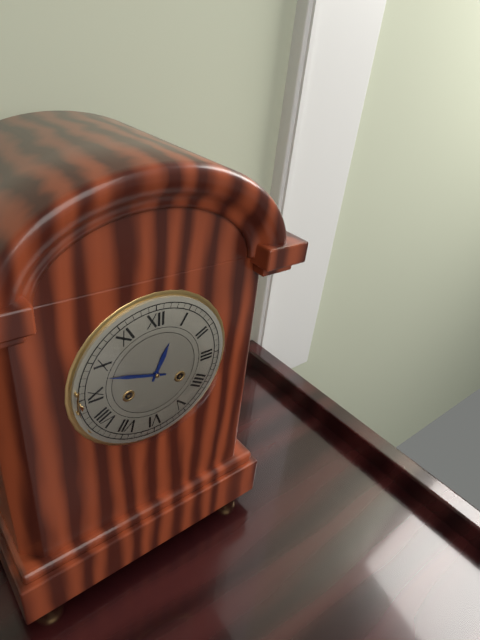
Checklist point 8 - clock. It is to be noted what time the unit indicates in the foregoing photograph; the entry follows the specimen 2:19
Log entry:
12:48
